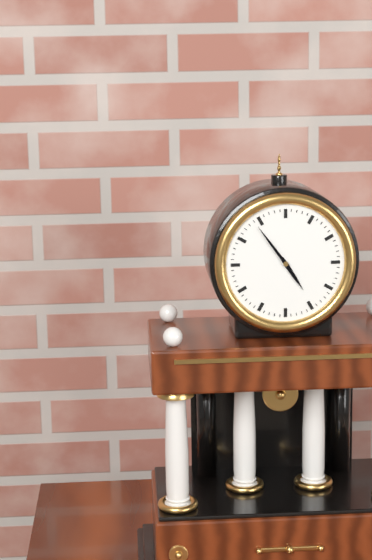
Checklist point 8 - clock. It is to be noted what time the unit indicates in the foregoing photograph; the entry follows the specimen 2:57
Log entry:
4:54
